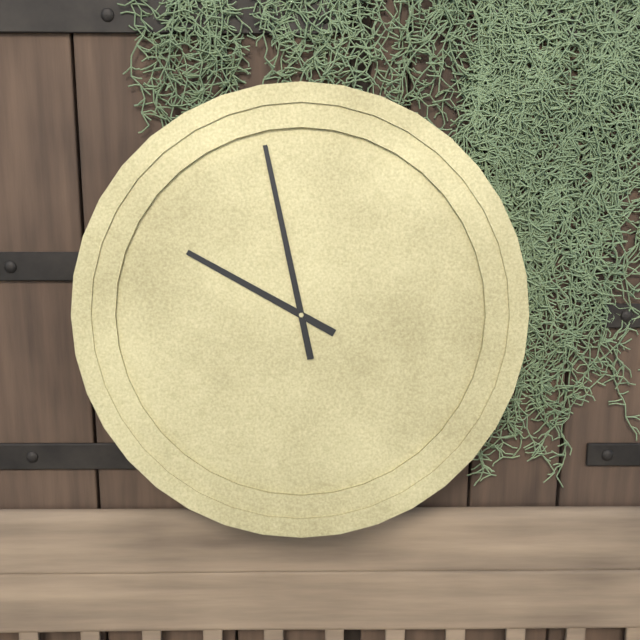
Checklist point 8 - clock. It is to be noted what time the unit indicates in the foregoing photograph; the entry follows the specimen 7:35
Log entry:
9:58
